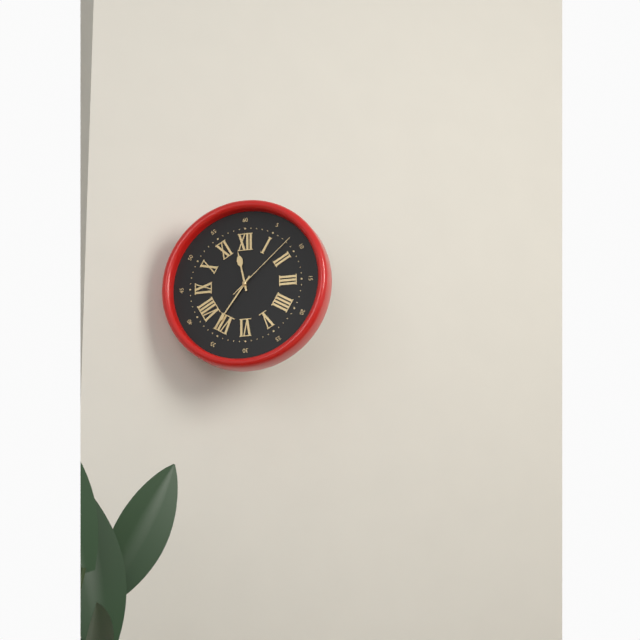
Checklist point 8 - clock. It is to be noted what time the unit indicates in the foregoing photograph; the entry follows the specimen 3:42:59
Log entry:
11:36:08
